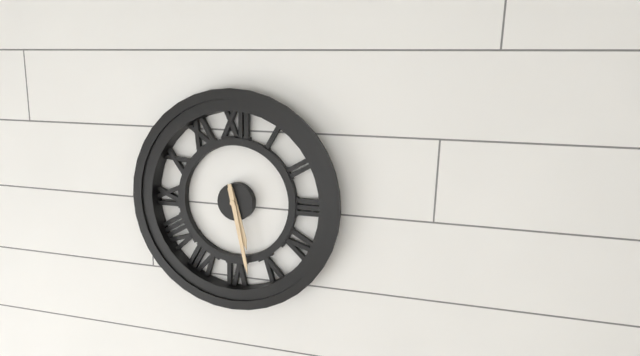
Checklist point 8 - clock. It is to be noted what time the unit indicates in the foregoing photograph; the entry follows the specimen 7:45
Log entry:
5:28
